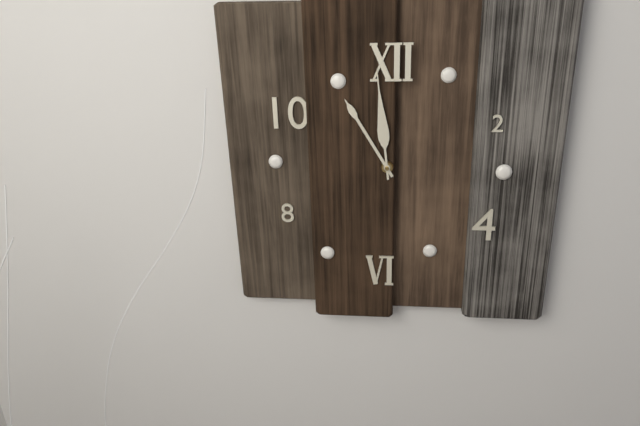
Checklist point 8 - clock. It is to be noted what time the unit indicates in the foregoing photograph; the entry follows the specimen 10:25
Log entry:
10:59
